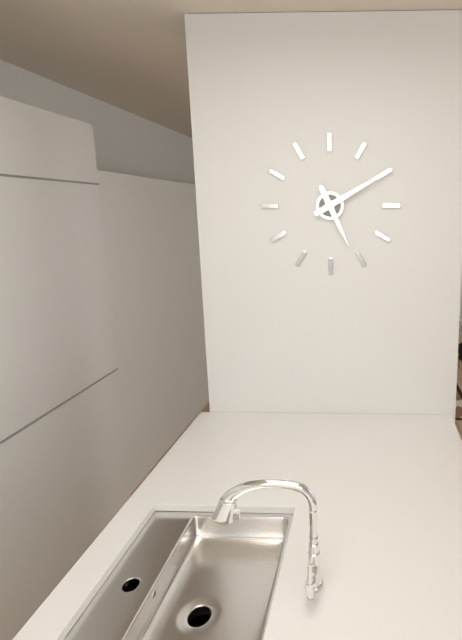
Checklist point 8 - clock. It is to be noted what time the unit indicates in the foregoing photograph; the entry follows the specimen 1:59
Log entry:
5:10
